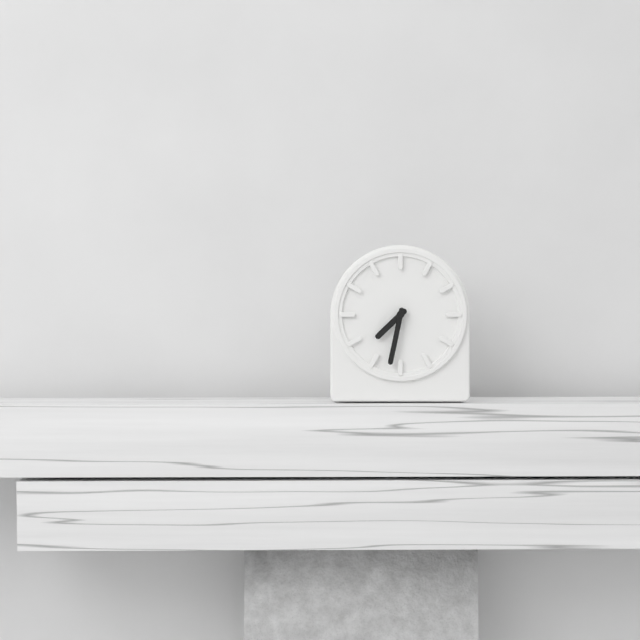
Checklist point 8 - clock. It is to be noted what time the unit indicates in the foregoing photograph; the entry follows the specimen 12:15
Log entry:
7:32
